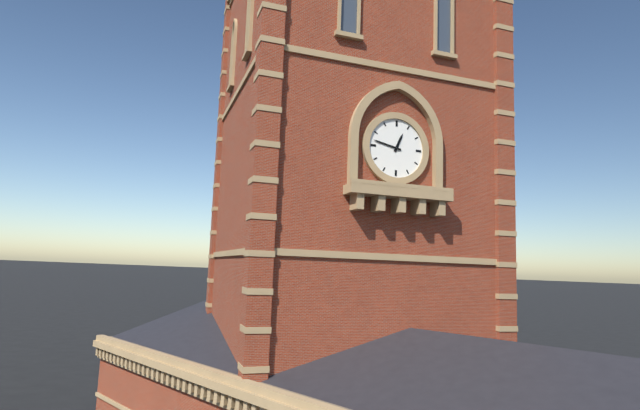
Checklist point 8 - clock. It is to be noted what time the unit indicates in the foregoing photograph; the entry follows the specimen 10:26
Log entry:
12:47
